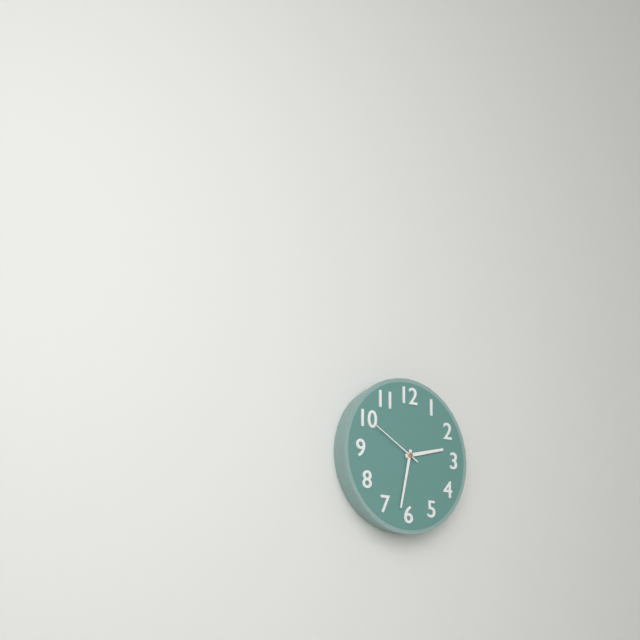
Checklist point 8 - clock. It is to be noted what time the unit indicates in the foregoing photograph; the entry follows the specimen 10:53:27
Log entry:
2:32:50
